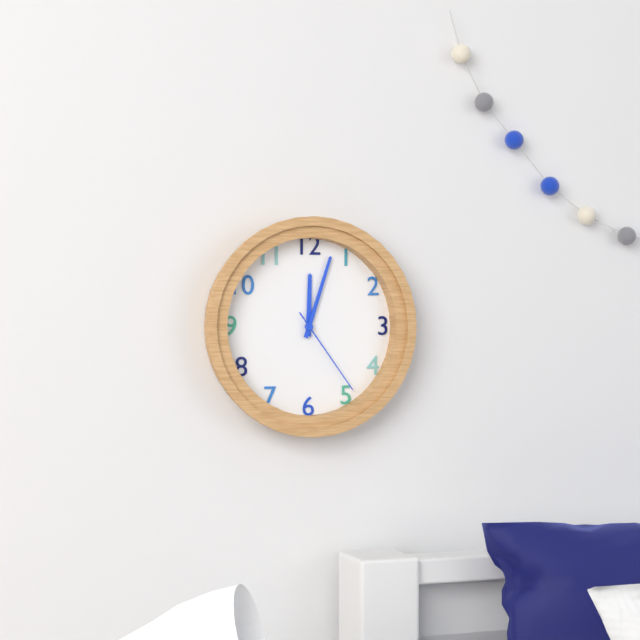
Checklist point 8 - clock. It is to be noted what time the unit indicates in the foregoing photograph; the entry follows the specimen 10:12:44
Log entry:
12:03:24
